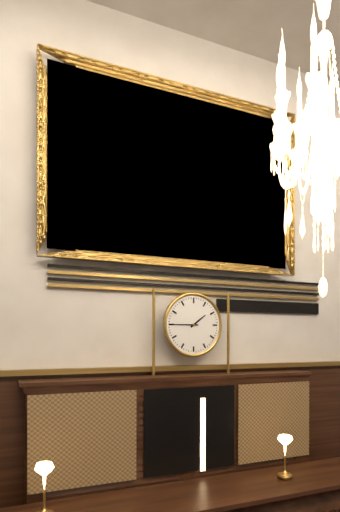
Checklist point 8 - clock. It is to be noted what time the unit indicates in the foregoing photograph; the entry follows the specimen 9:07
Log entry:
1:45
